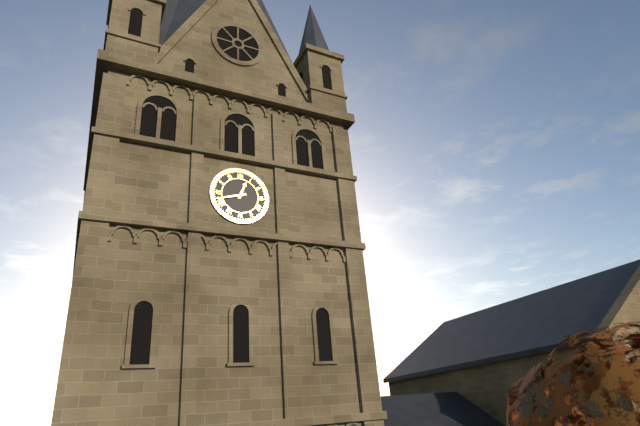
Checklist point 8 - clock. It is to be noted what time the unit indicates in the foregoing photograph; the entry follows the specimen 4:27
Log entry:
12:42
